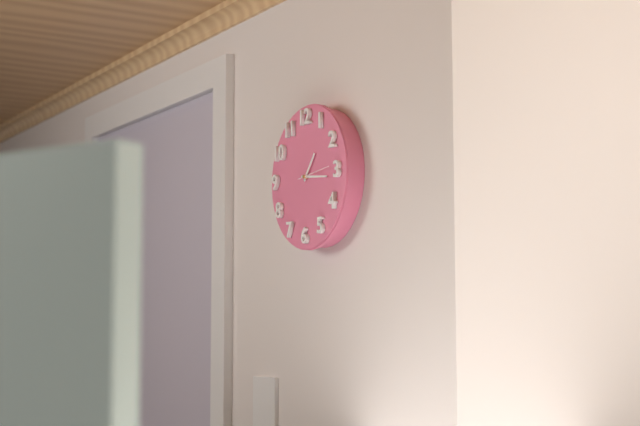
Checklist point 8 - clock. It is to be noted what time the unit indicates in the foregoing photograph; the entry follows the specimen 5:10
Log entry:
1:16
